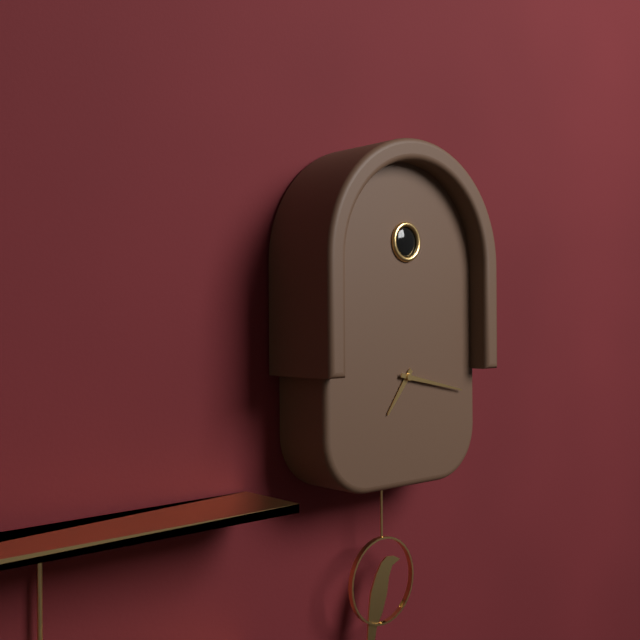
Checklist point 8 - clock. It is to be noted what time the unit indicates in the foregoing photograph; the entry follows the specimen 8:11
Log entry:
7:17
